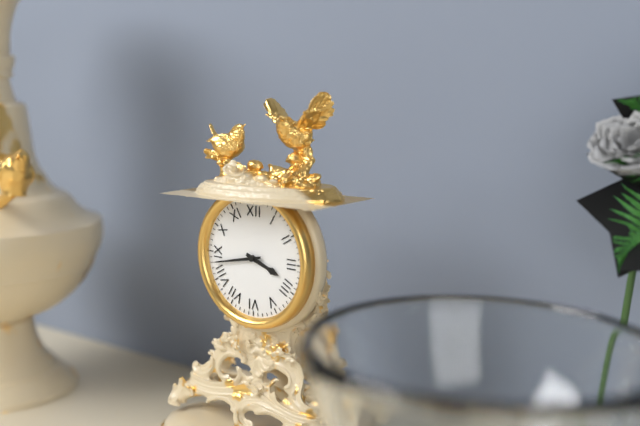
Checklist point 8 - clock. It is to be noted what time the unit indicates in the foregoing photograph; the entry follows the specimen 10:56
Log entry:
3:43
